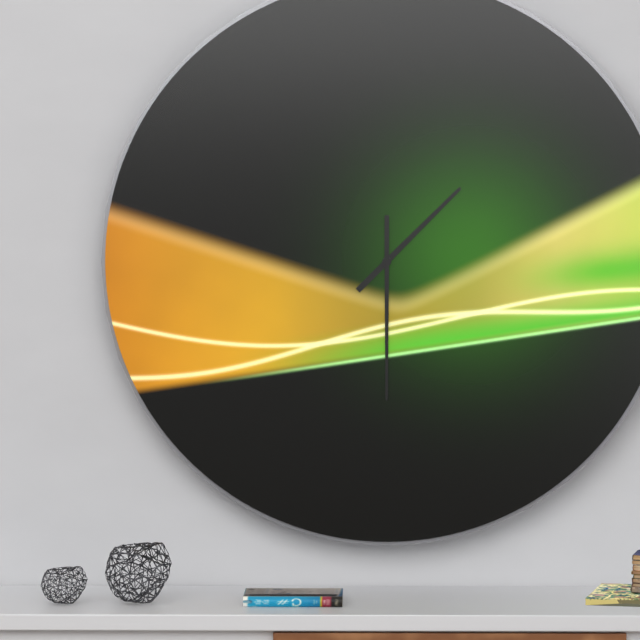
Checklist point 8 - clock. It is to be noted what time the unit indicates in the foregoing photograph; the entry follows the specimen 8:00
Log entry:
1:30
